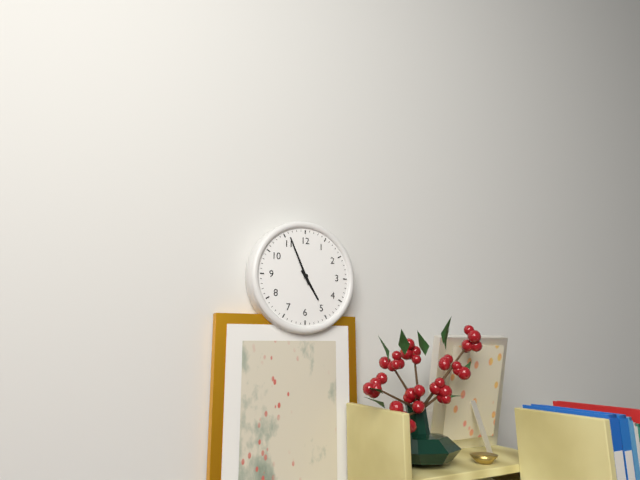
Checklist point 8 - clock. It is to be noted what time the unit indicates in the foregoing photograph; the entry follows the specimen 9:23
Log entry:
4:56
